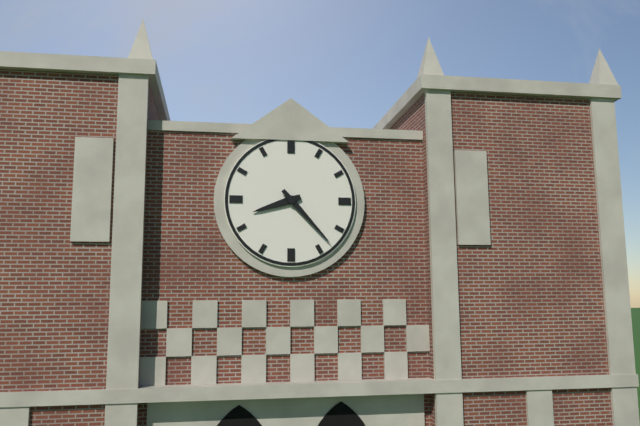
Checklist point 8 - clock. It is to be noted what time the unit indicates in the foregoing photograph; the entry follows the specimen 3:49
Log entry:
8:23
